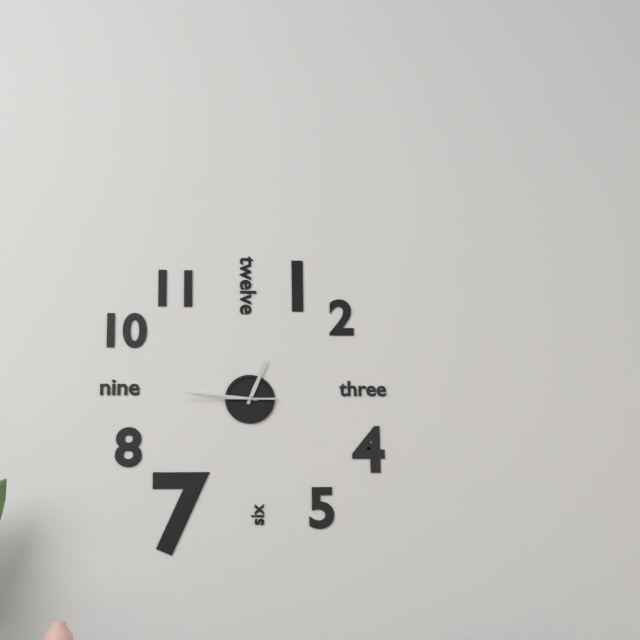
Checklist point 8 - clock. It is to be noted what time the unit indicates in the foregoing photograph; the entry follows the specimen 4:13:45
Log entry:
12:46:45
